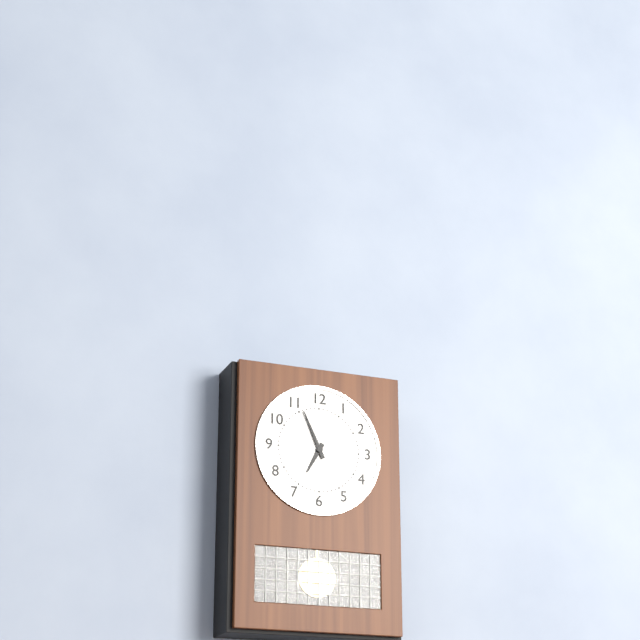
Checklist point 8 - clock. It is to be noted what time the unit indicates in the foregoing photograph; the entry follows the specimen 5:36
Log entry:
6:56
